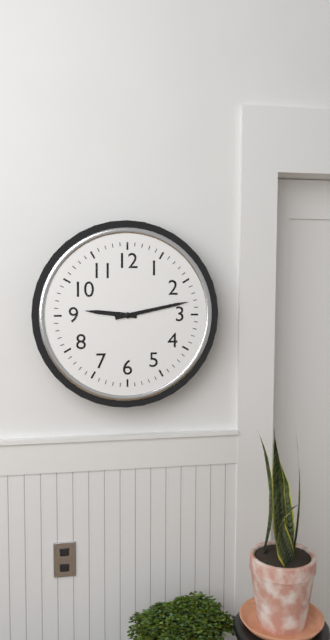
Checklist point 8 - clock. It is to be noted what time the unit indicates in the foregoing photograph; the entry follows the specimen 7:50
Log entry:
9:13
